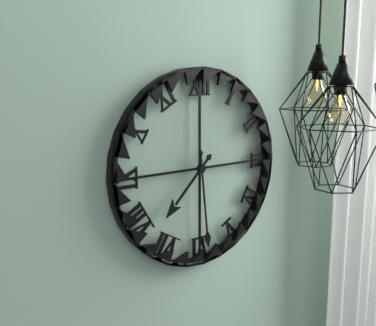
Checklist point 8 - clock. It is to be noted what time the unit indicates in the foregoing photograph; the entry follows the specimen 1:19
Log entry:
7:29
